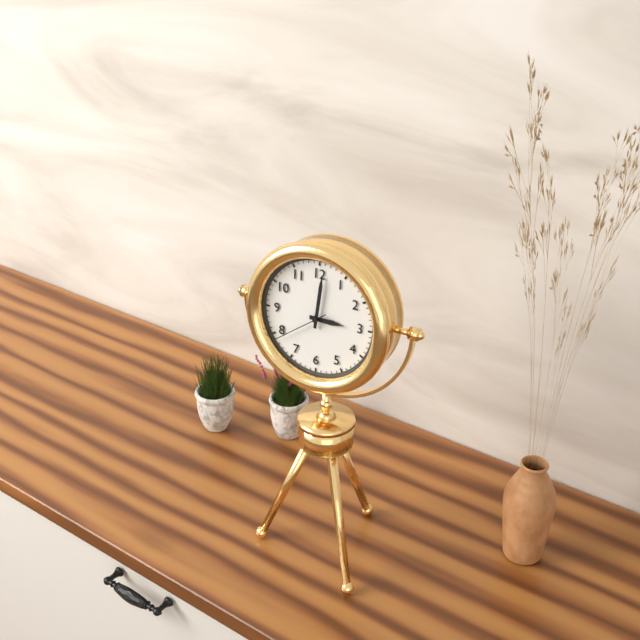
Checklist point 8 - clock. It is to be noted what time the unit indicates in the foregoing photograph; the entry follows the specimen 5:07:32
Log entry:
3:01:39
